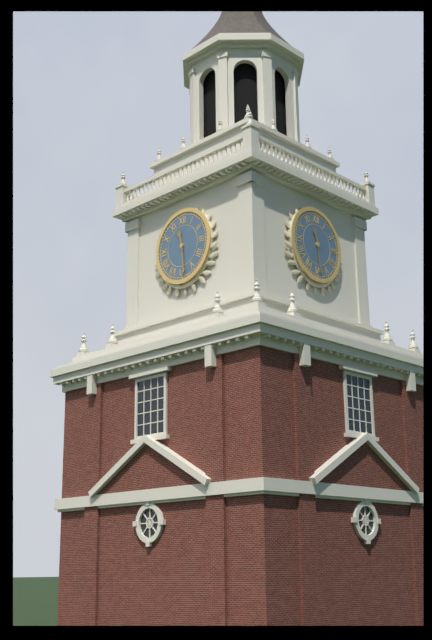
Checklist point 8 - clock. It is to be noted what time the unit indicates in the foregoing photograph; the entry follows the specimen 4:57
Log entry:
11:29
